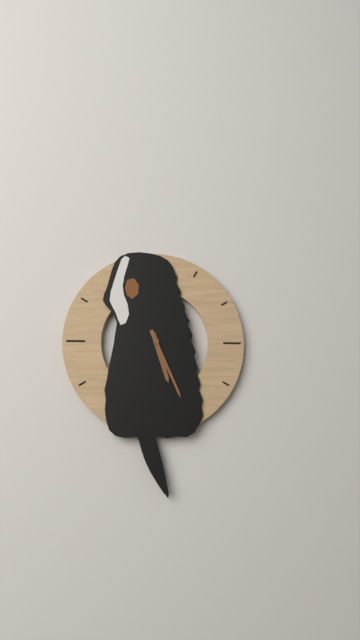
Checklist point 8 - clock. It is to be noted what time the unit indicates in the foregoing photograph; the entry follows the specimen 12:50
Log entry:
5:26
